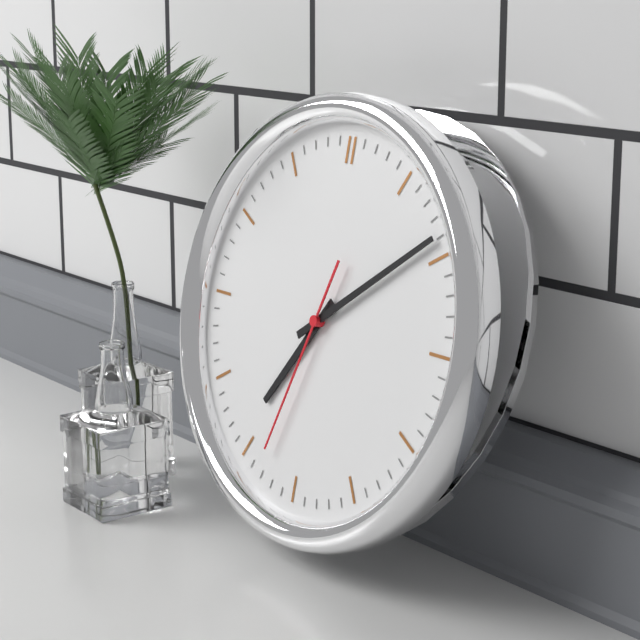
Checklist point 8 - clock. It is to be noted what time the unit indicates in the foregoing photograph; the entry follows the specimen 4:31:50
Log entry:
7:09:33
